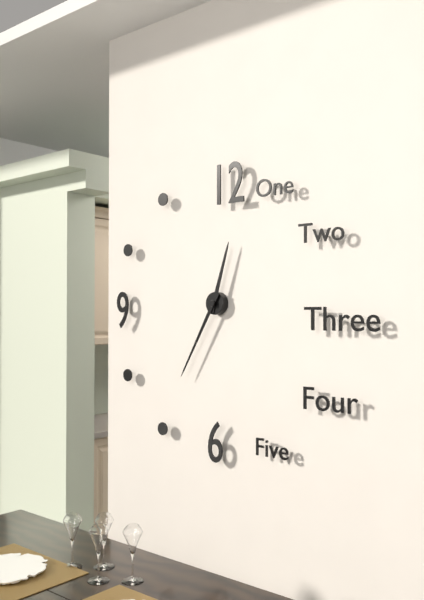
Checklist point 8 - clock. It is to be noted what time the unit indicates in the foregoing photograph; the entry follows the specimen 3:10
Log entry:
12:35
